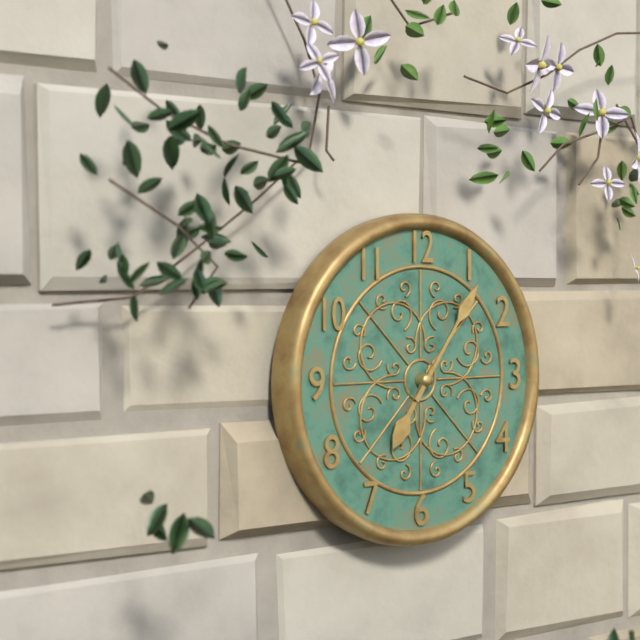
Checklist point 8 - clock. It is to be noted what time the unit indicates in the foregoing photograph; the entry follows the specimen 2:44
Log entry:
7:06
